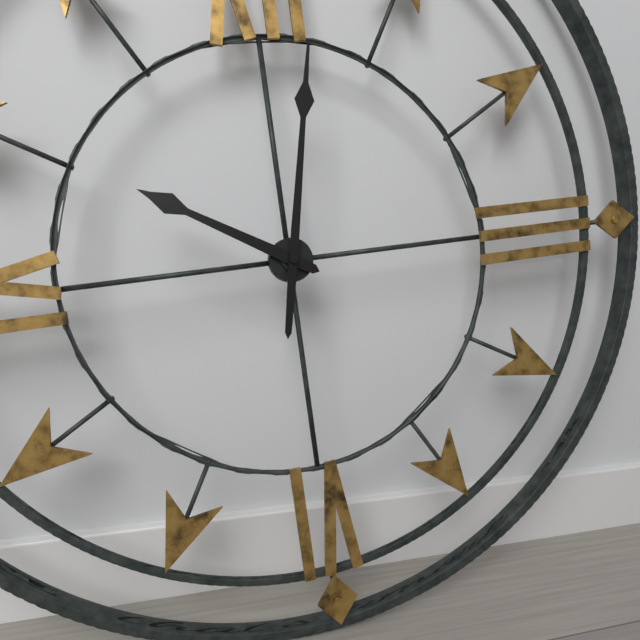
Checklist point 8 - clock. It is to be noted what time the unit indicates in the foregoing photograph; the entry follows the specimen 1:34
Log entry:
10:02
